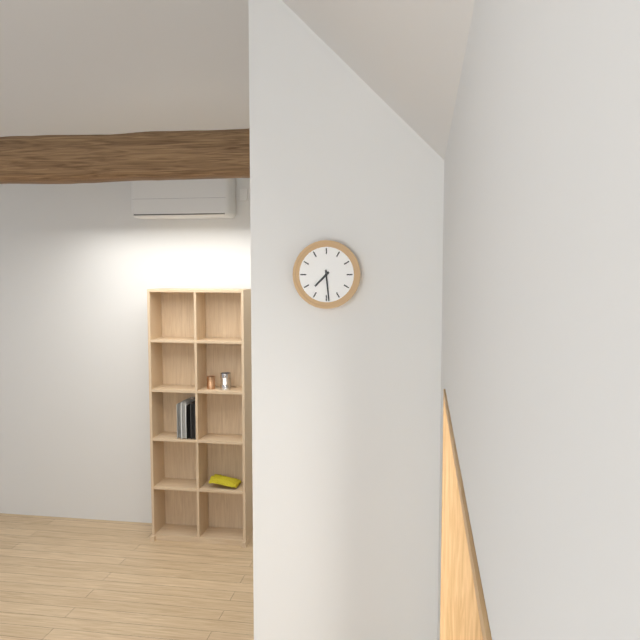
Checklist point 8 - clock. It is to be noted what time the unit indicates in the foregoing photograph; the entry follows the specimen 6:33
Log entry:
7:29
